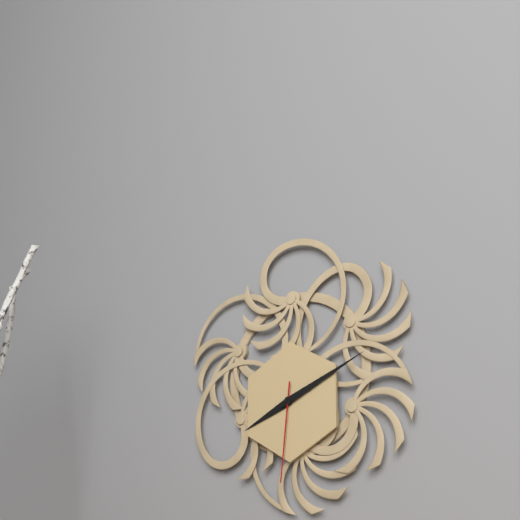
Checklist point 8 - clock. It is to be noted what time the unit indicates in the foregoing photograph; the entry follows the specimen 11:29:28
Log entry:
8:11:31
